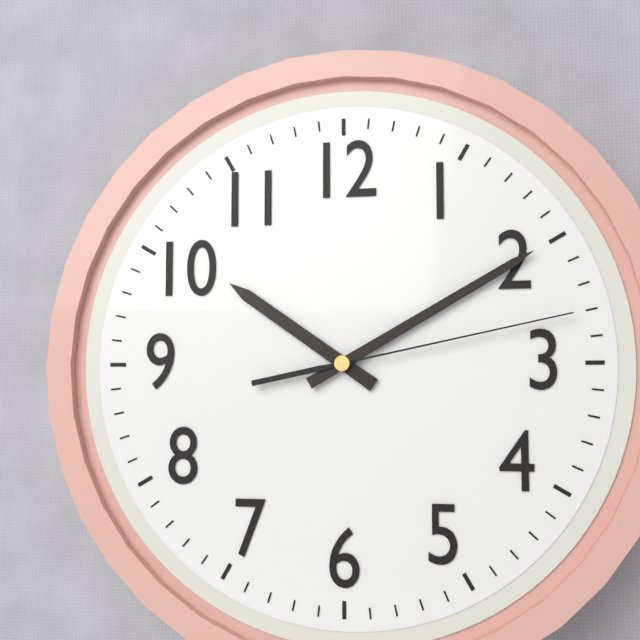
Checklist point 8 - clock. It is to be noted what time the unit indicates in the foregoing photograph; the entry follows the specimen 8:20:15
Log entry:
10:10:13
